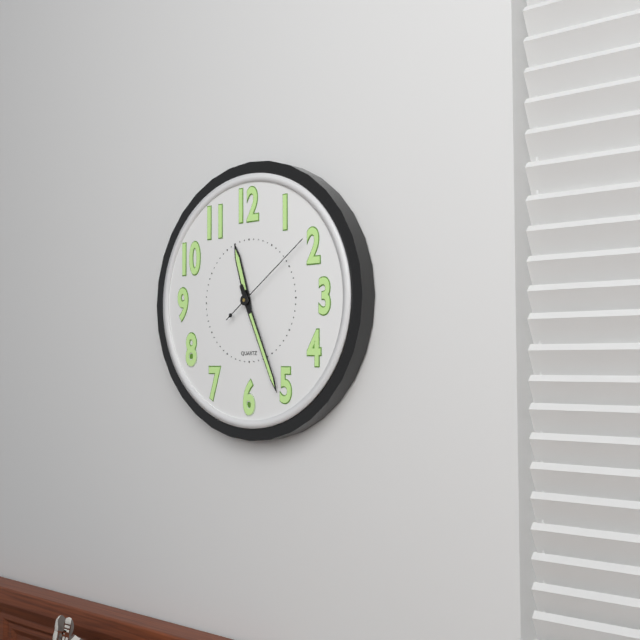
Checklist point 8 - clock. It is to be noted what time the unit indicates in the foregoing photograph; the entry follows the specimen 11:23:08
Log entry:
11:26:09
